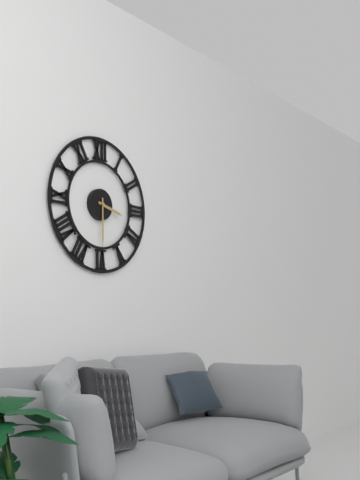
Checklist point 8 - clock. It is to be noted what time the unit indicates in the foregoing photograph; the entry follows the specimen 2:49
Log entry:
3:30
